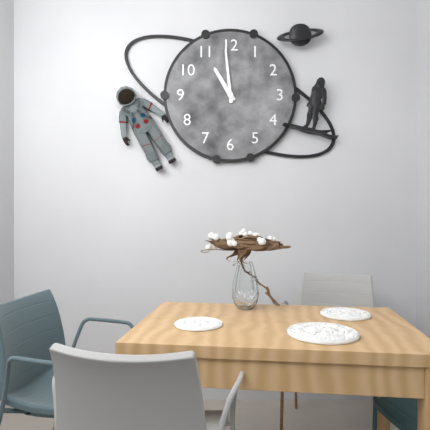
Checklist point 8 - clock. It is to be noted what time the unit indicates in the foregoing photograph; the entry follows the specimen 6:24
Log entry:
10:59
